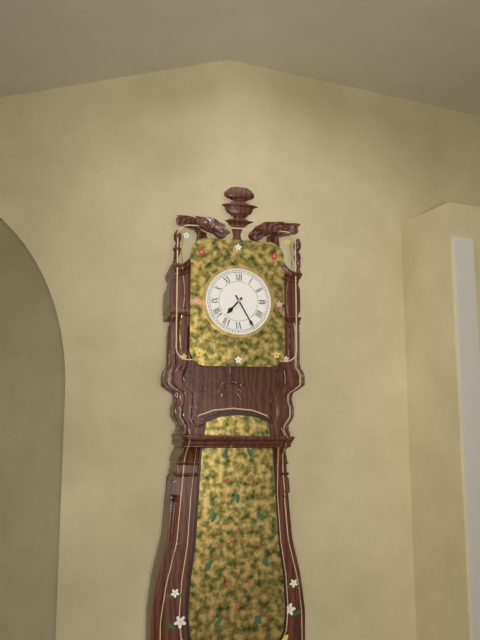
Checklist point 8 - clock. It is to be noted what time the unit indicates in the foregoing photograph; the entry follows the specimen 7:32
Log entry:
7:25
